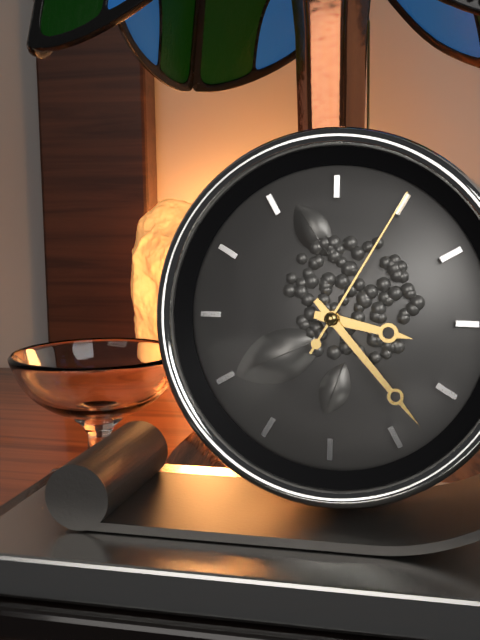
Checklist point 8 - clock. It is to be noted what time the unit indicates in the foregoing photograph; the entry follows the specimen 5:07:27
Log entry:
3:23:05
